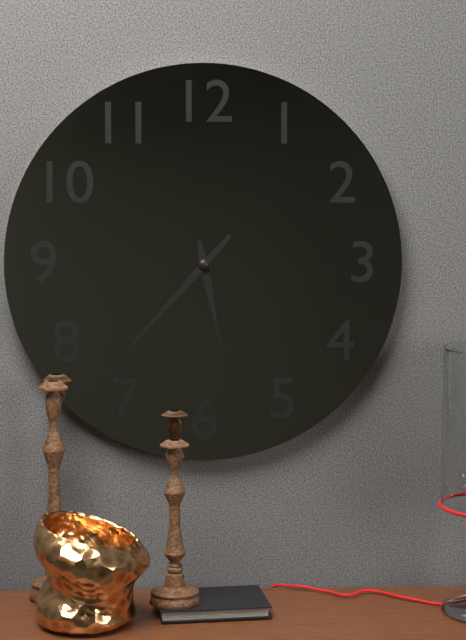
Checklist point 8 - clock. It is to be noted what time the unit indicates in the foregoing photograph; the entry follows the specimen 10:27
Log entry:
5:37
